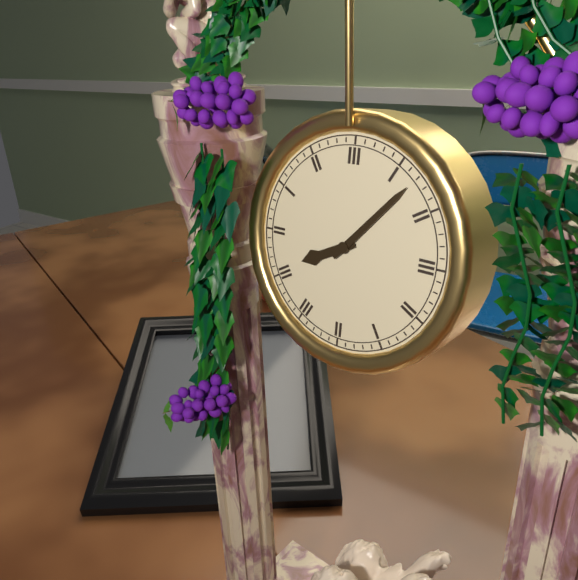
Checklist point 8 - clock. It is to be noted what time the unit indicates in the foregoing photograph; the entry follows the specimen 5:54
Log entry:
8:07
